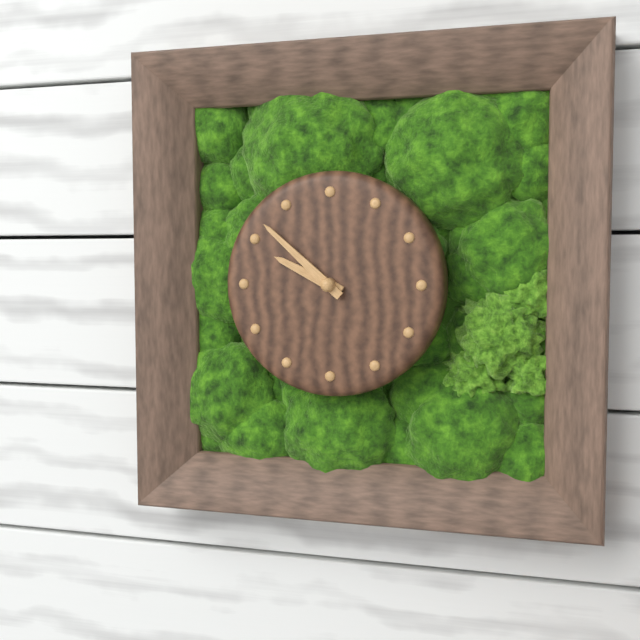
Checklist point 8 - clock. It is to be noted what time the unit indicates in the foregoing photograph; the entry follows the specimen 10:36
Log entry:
9:52
